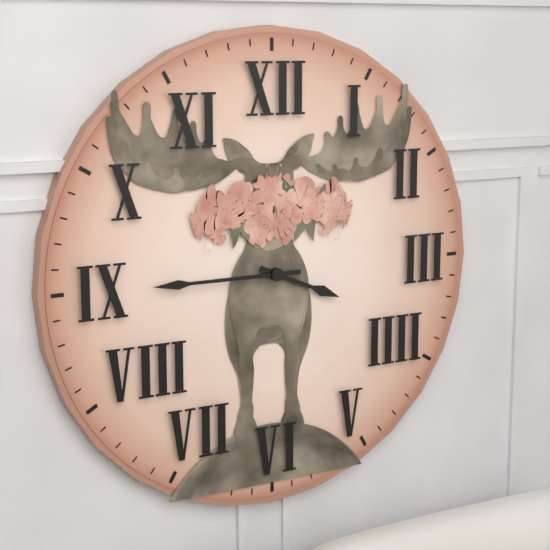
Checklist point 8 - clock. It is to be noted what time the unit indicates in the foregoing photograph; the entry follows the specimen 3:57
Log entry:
3:45
